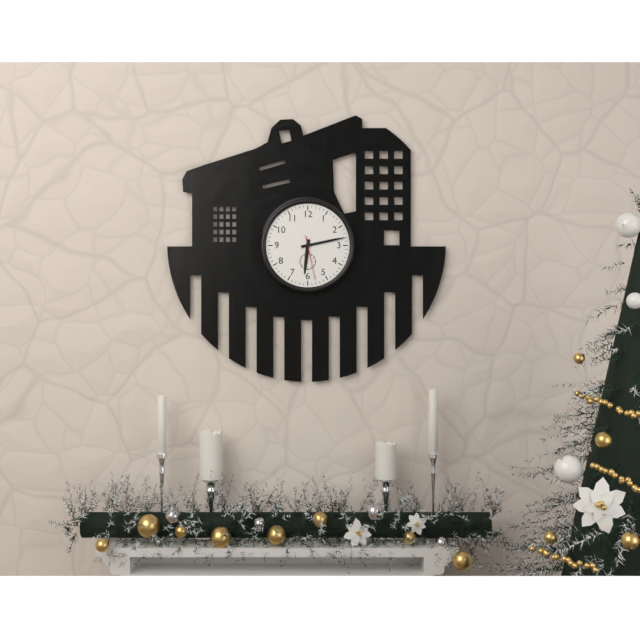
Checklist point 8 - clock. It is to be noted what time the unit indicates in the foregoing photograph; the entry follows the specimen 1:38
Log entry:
6:13
